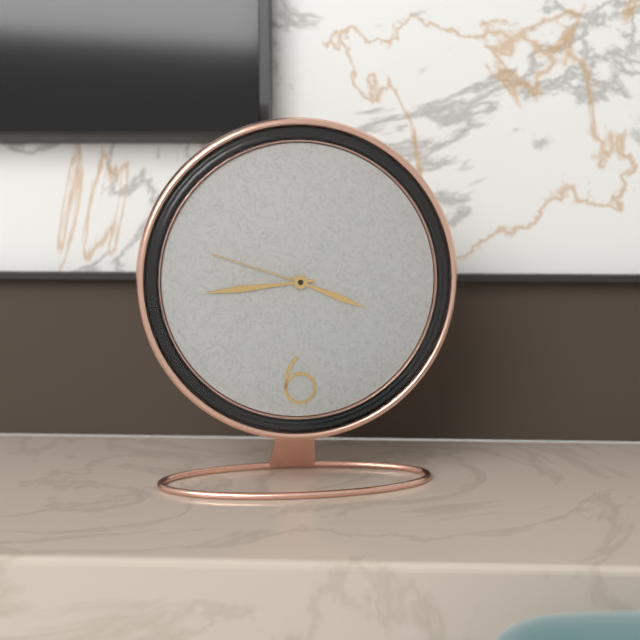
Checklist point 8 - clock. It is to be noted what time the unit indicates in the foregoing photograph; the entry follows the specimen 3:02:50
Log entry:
3:44:48
